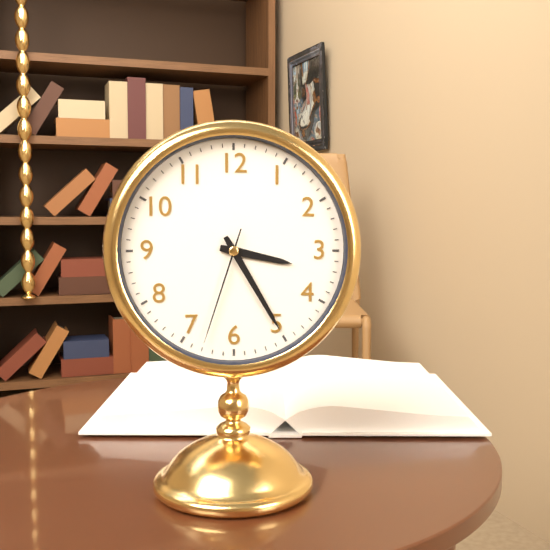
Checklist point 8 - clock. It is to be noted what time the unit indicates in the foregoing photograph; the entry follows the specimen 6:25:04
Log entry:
3:25:33
